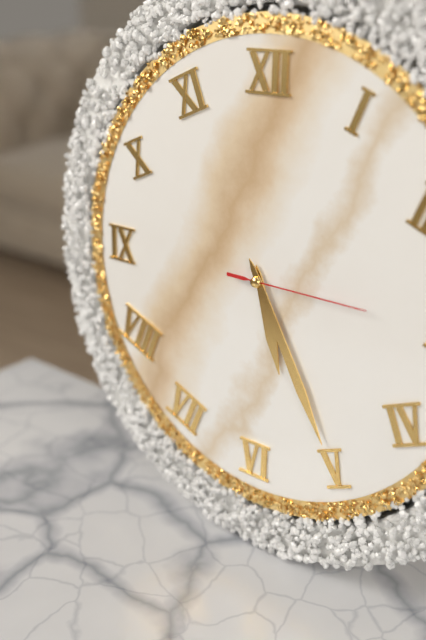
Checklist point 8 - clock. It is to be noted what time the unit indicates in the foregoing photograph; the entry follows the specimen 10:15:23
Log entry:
5:25:15
